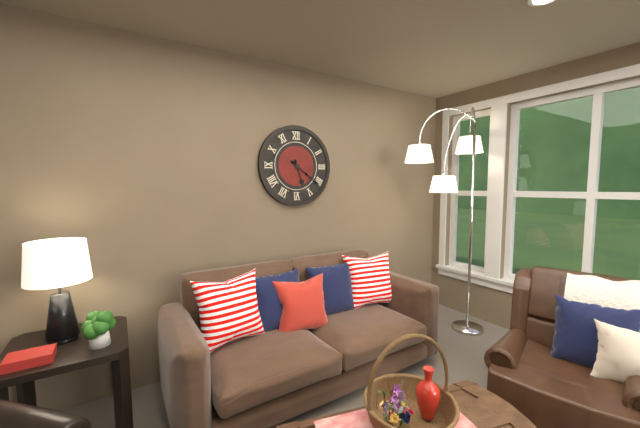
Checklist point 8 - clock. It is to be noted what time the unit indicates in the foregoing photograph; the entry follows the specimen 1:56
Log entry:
5:21
